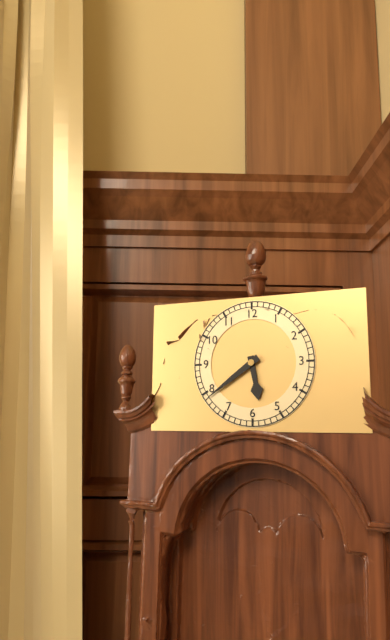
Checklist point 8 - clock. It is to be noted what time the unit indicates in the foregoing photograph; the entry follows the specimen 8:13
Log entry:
5:39
